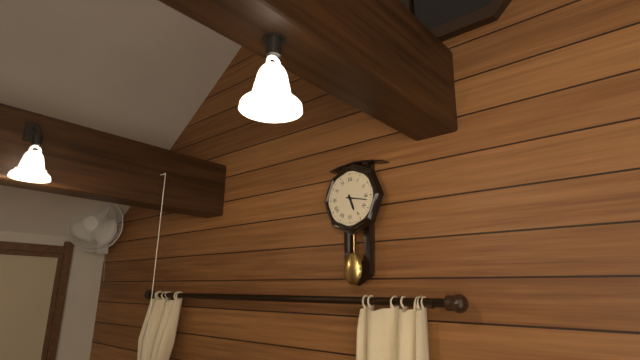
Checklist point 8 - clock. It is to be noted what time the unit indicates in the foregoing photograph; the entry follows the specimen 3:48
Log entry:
5:17
